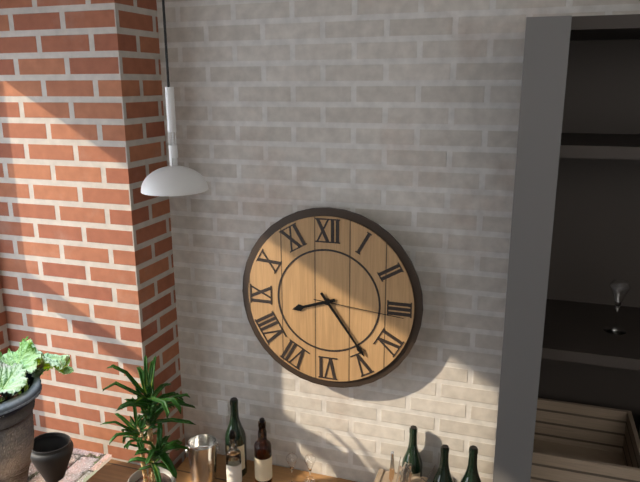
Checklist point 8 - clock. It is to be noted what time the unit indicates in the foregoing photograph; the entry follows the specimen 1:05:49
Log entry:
8:24:16
